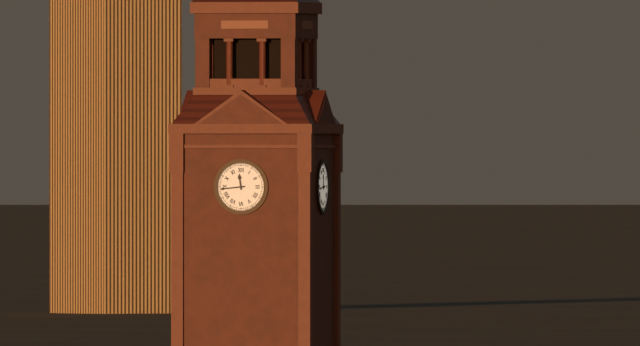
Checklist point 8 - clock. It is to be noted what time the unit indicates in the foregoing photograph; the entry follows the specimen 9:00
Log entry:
11:44
